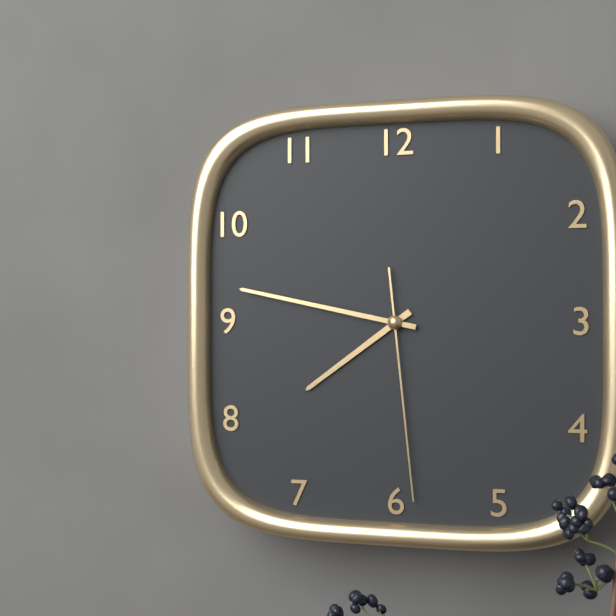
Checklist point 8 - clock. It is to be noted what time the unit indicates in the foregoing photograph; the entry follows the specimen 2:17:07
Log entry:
7:47:29
